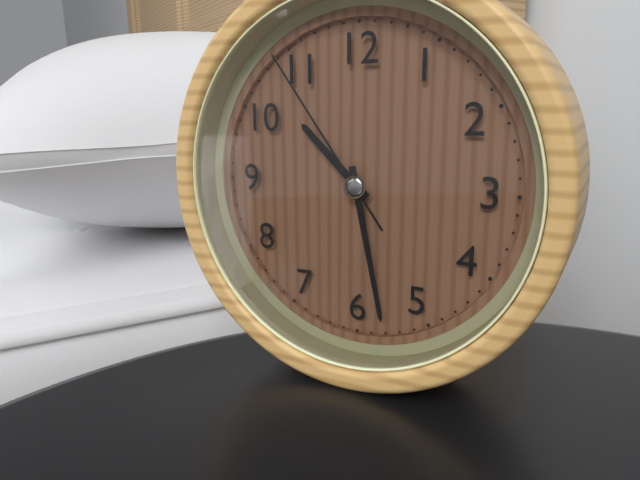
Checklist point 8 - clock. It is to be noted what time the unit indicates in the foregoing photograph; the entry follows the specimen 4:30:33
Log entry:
10:28:54
